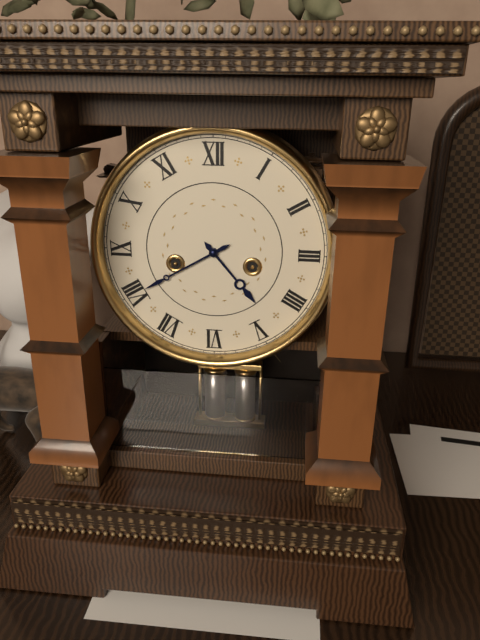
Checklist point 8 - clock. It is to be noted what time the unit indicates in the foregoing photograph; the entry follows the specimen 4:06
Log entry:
4:40
